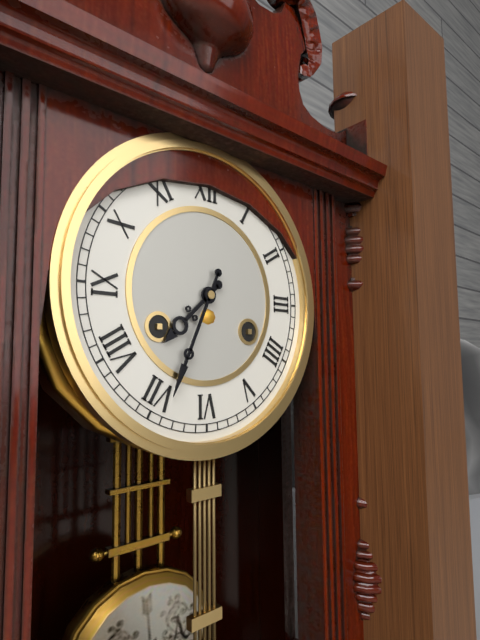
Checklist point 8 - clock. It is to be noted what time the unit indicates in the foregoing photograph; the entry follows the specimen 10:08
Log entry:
7:34
